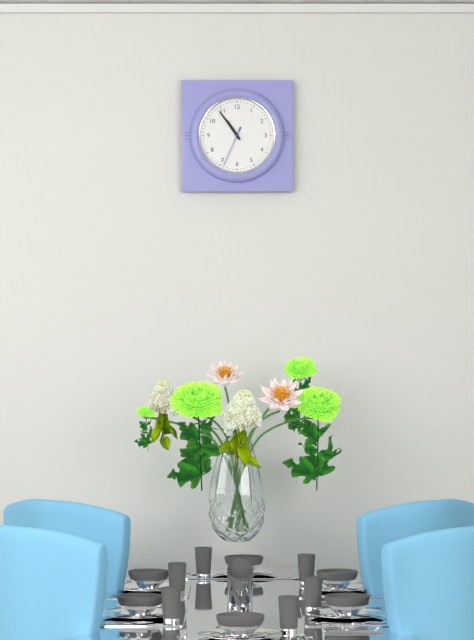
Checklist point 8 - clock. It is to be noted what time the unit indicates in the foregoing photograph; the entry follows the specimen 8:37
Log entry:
10:54
